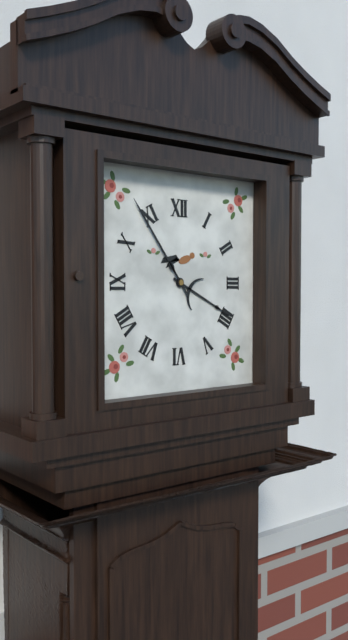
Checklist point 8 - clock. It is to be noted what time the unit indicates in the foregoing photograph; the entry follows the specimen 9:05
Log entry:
3:54
